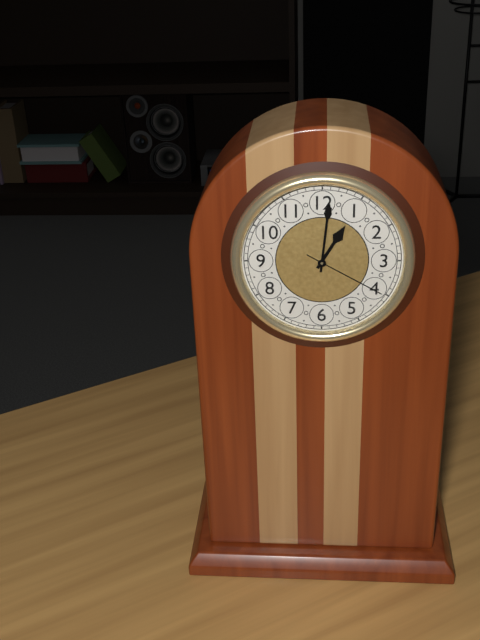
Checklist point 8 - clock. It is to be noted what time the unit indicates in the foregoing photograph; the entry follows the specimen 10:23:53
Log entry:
1:01:20
